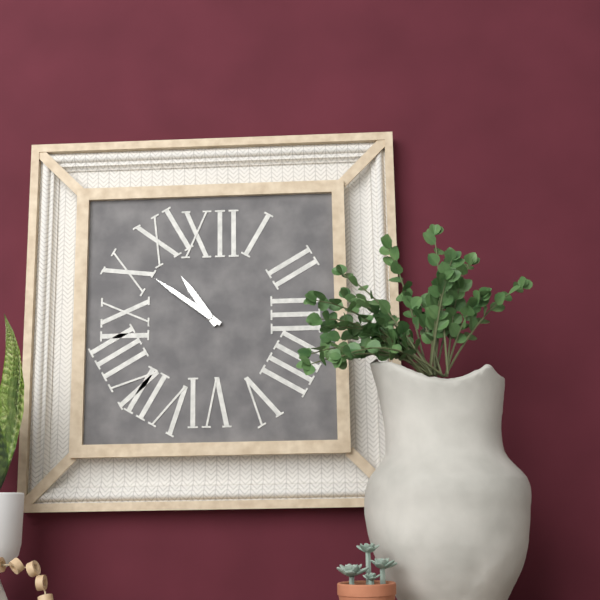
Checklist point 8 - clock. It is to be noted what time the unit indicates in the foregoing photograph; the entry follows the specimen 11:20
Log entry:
10:51
